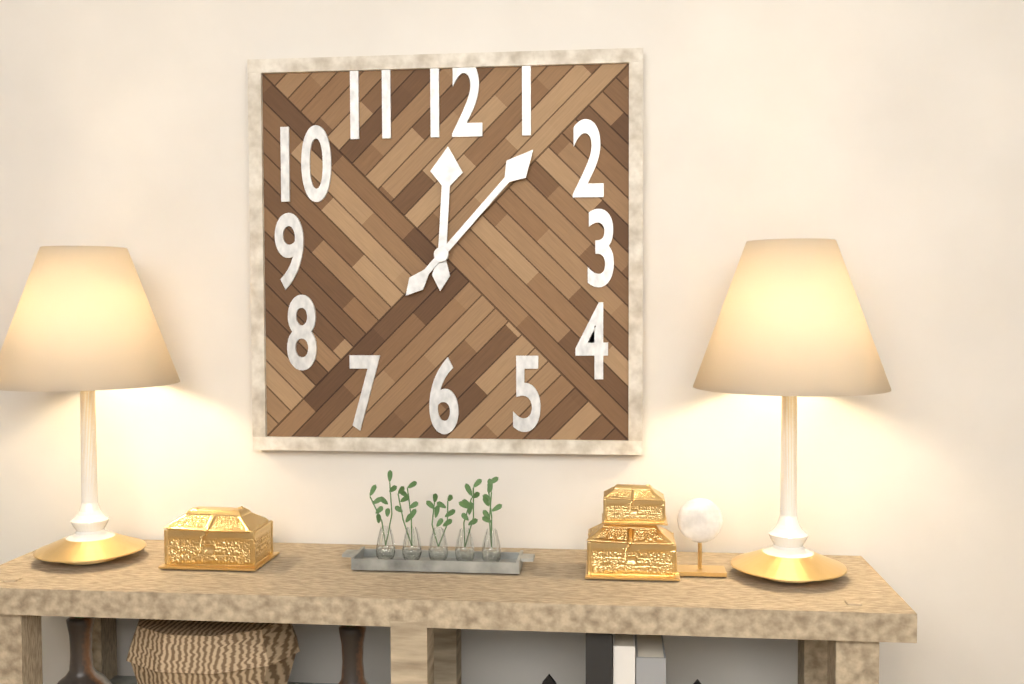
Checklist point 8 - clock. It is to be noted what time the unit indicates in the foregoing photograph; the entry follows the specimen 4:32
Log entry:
12:07
